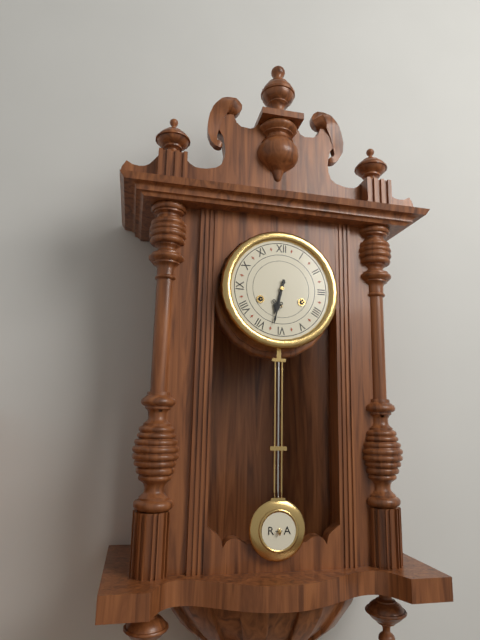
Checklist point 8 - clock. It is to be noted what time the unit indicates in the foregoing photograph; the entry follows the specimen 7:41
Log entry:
6:32
